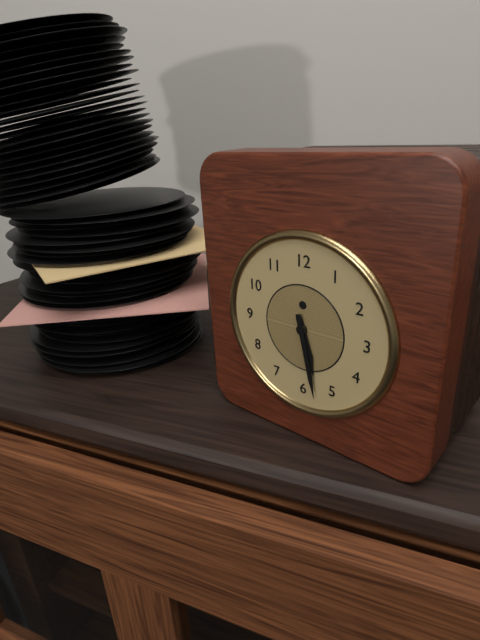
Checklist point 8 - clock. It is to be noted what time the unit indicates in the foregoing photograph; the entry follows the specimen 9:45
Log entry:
5:28
